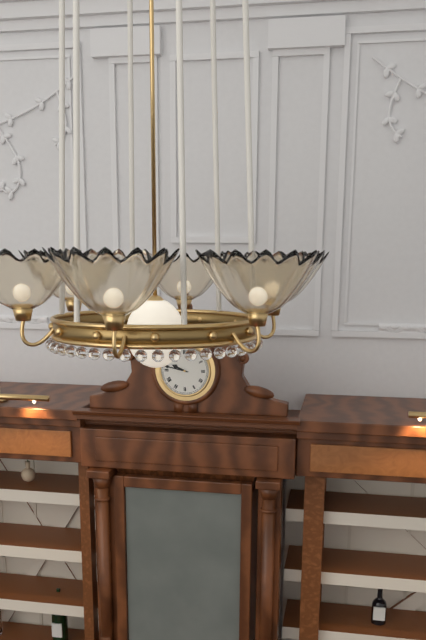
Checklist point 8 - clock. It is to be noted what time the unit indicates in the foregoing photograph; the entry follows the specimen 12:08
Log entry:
9:47
